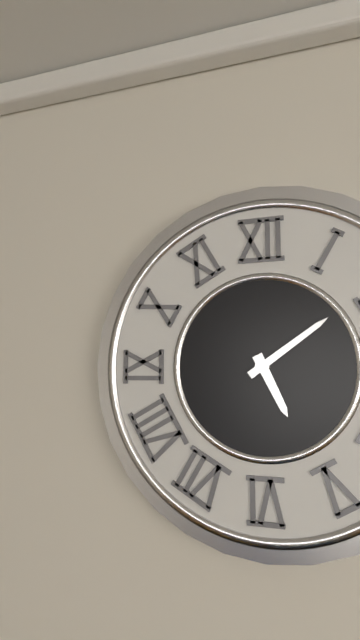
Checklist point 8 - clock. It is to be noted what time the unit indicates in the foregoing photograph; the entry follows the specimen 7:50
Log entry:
5:09
